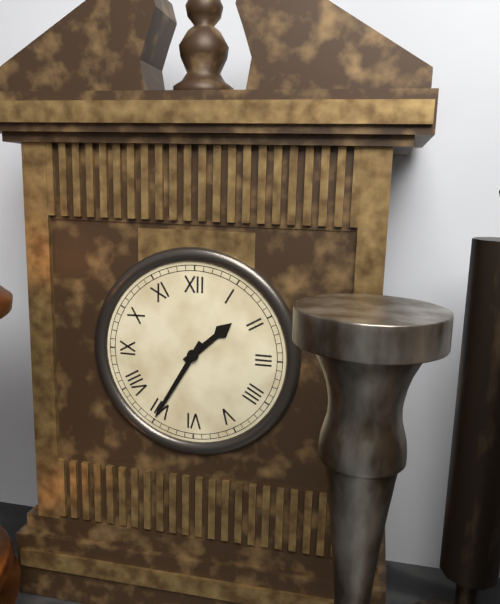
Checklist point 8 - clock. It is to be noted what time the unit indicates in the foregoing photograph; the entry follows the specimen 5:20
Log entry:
1:35
